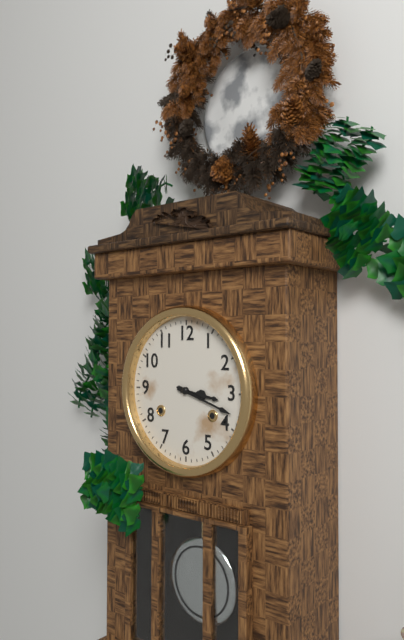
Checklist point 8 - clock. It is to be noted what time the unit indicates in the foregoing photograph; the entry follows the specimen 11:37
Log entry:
3:18
